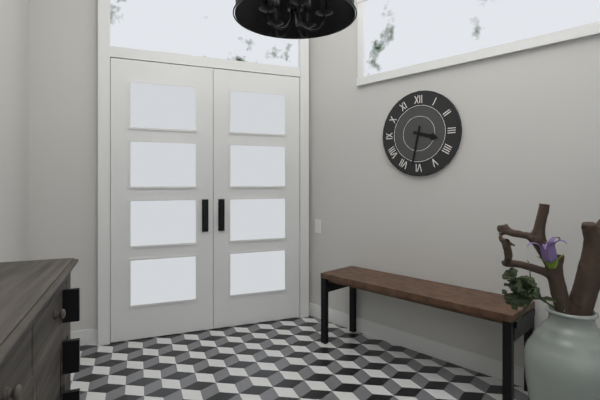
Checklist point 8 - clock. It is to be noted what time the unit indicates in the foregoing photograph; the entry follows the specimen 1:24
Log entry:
3:32
